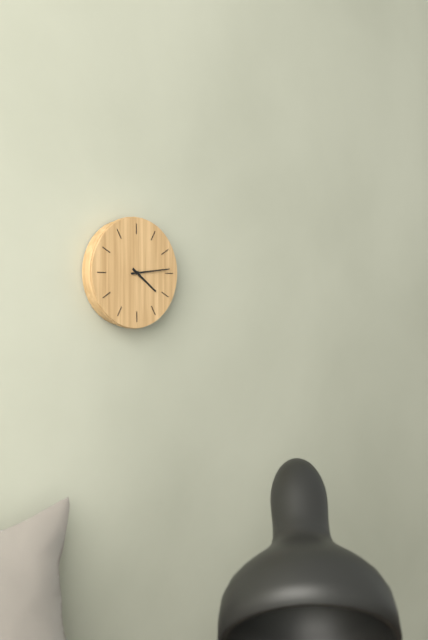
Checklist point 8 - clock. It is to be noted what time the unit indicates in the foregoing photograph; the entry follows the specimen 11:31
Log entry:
4:14
